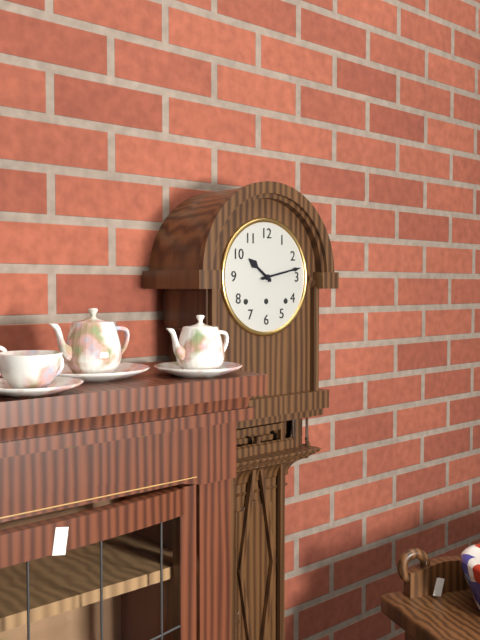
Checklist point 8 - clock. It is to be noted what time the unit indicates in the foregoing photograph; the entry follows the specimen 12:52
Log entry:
10:13
